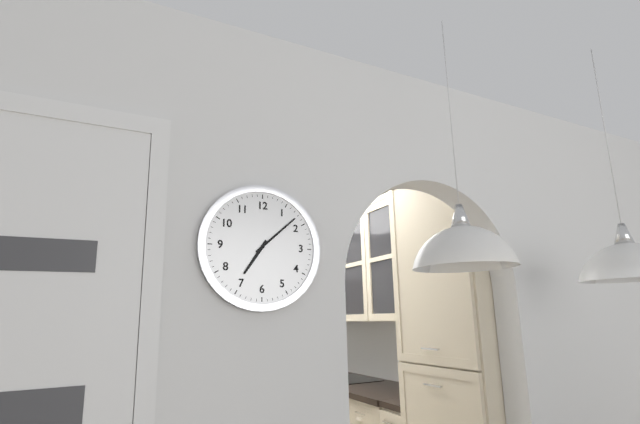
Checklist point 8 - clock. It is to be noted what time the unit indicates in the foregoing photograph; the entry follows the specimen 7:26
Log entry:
7:08
